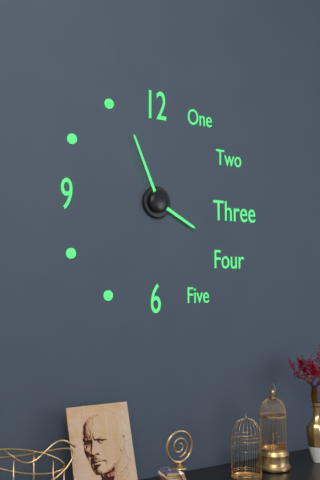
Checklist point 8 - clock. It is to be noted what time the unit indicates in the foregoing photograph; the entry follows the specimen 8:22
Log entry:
3:56
